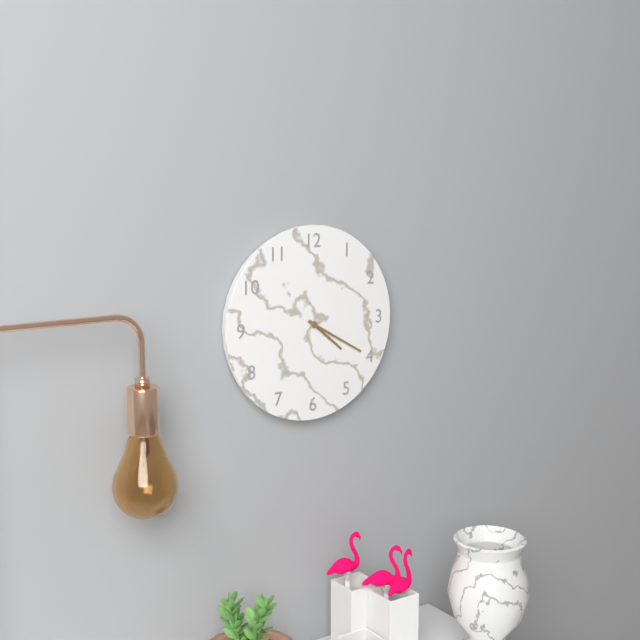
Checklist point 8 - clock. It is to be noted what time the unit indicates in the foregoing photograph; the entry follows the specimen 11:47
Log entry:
4:20
